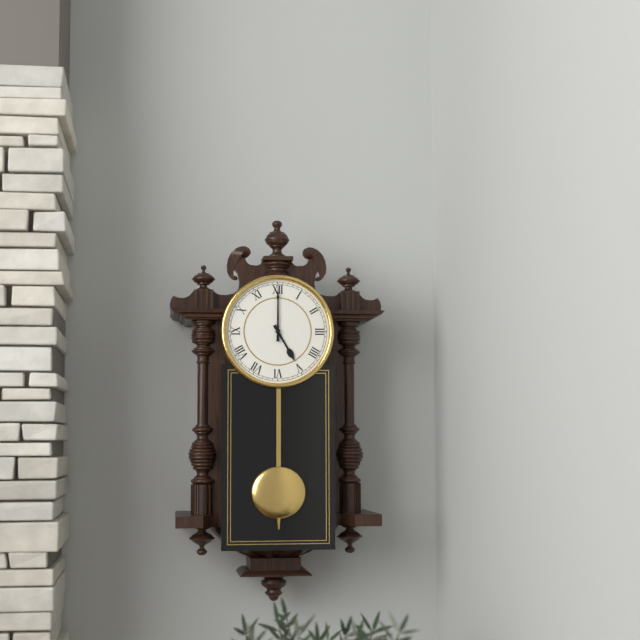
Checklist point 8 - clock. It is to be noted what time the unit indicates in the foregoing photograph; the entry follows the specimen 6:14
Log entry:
5:00
